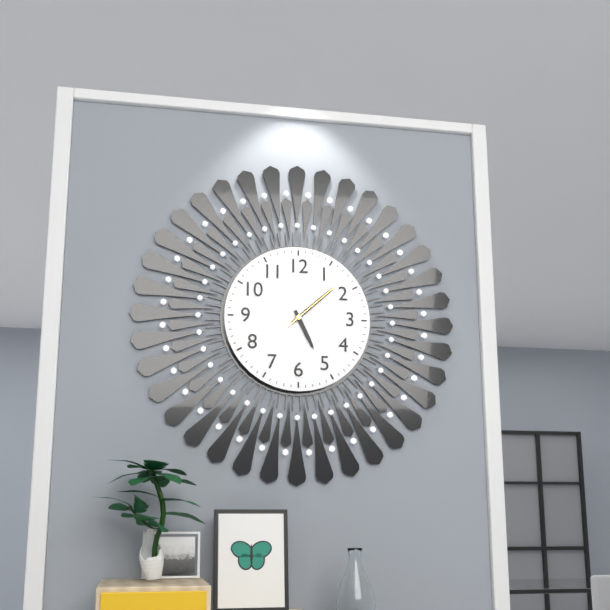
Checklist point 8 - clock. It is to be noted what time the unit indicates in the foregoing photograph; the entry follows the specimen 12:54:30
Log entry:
5:08:08
